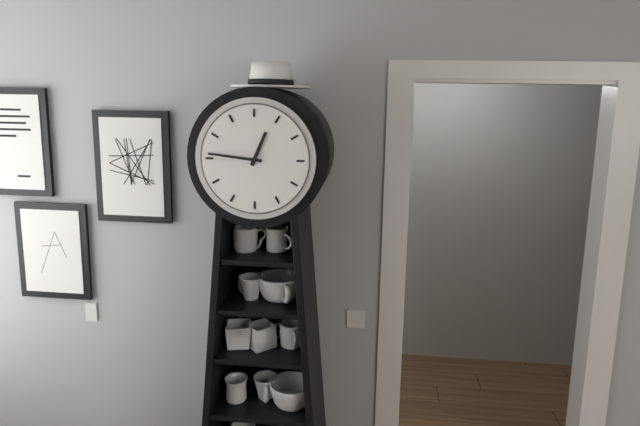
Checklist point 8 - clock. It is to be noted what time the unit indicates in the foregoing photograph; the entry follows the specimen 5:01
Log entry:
12:46
